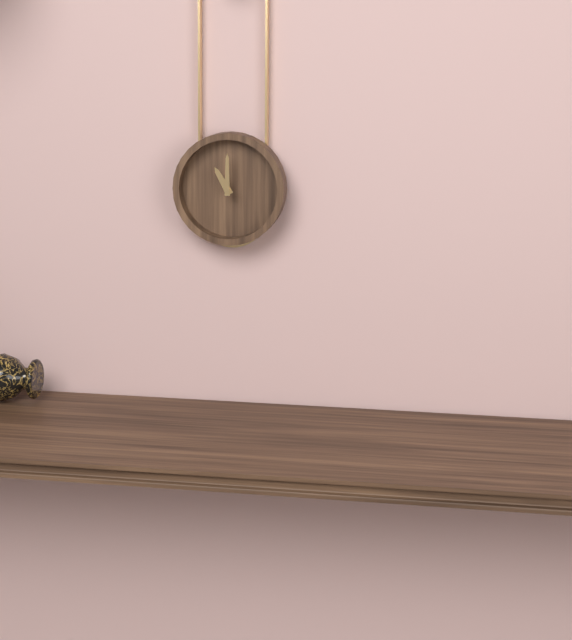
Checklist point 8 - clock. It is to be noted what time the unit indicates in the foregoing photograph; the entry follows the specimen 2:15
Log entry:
11:00
